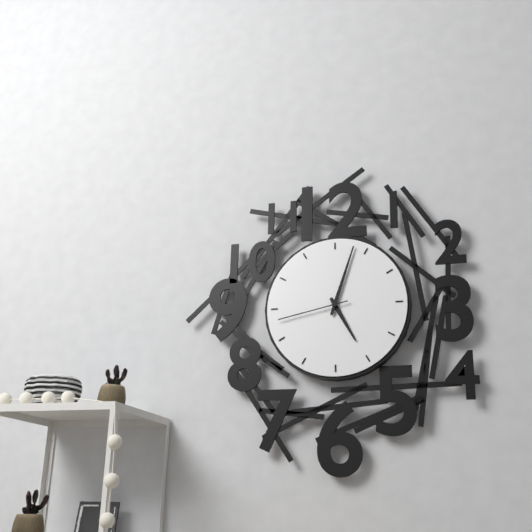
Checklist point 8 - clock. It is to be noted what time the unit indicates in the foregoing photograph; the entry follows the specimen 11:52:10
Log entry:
5:03:43
